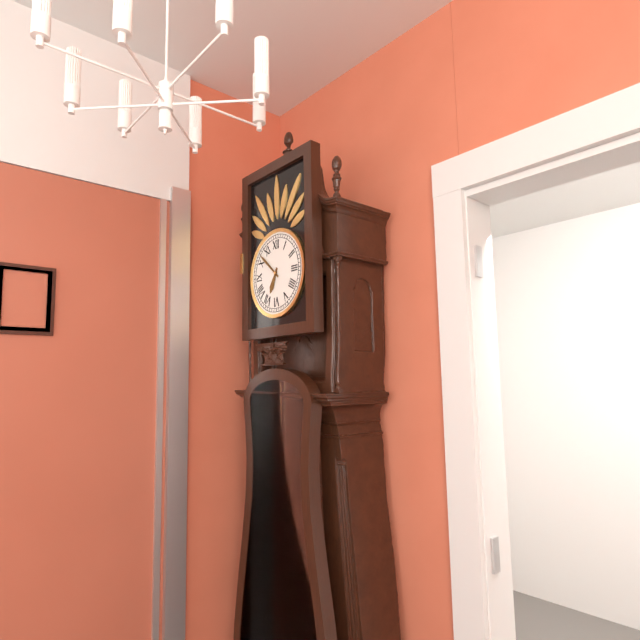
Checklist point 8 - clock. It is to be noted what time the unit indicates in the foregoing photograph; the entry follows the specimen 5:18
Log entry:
6:52
